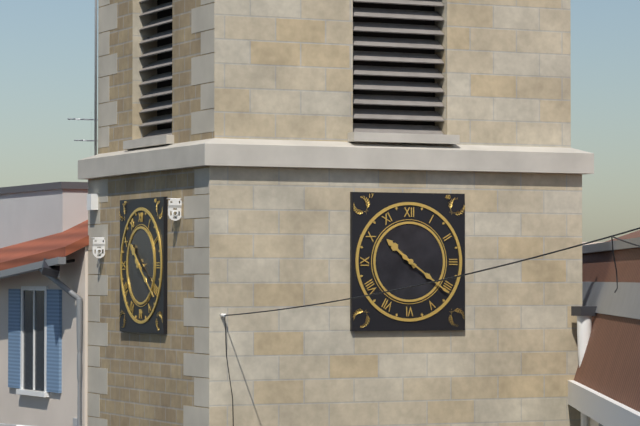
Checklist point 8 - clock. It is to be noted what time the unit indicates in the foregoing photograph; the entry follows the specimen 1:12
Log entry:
10:21
